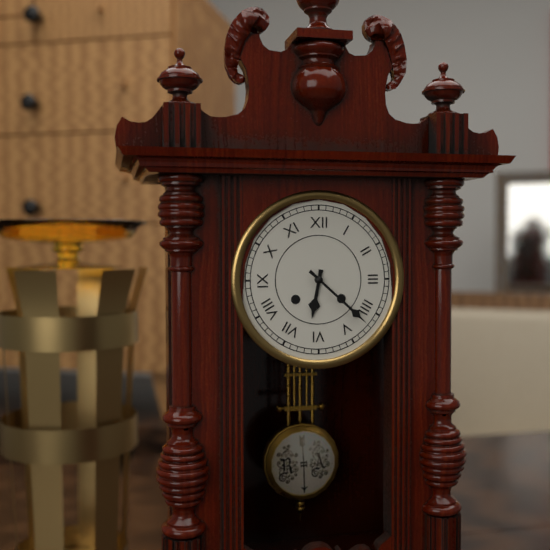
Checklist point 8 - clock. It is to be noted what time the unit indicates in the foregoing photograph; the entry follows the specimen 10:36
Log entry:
6:22
